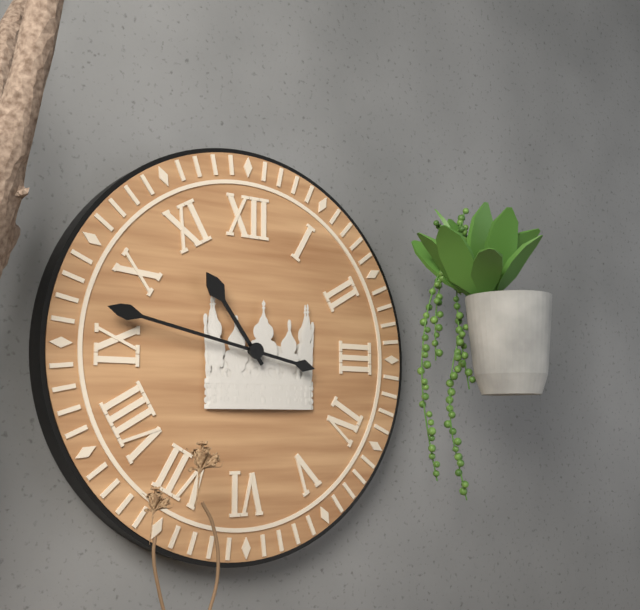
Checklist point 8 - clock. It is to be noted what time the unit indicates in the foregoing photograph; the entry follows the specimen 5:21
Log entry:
10:47
